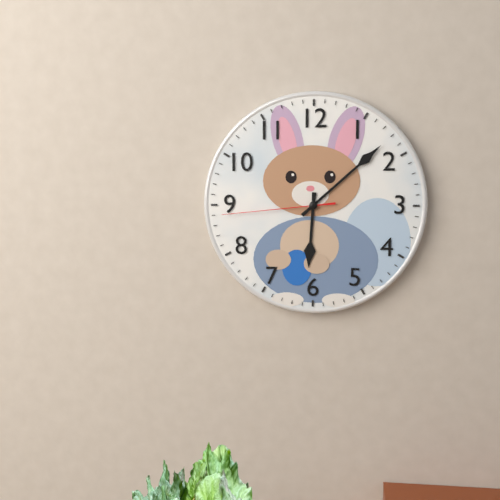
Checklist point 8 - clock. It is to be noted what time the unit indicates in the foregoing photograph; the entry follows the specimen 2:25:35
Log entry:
6:08:44
